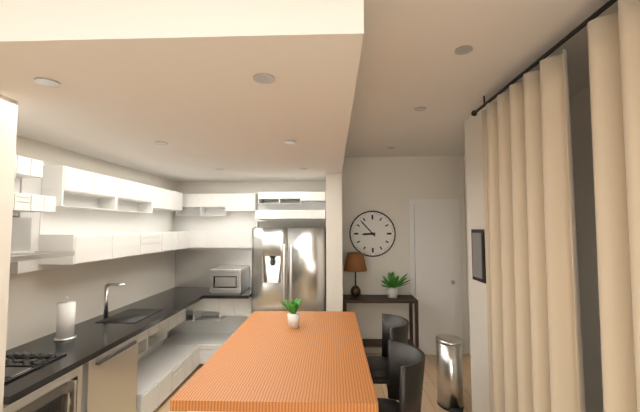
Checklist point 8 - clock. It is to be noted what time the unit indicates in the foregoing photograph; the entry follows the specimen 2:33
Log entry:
8:53
